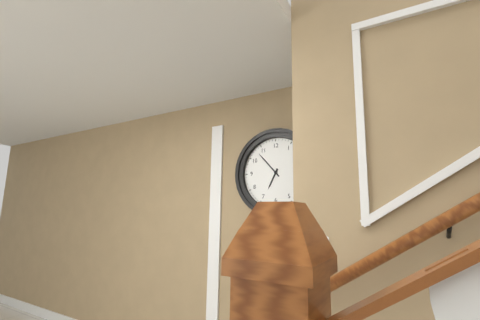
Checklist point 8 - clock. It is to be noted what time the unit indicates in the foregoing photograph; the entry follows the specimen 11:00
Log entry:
6:53
